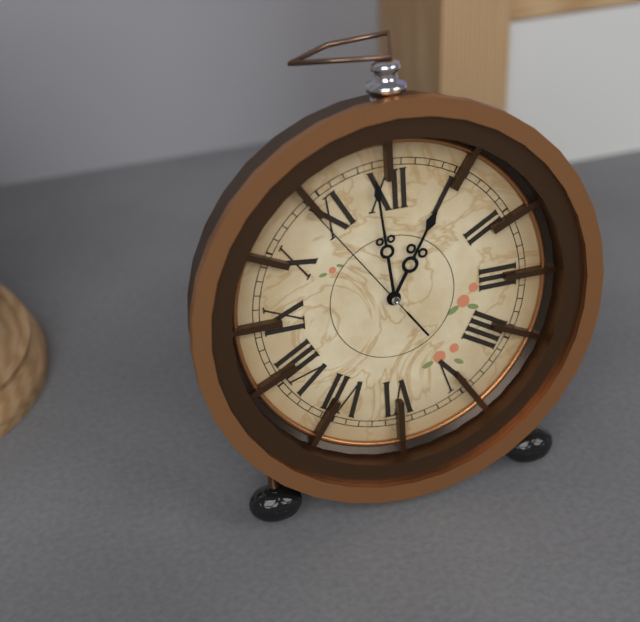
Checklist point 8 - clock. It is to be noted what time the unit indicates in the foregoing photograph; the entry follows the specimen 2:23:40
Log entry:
12:59:54
